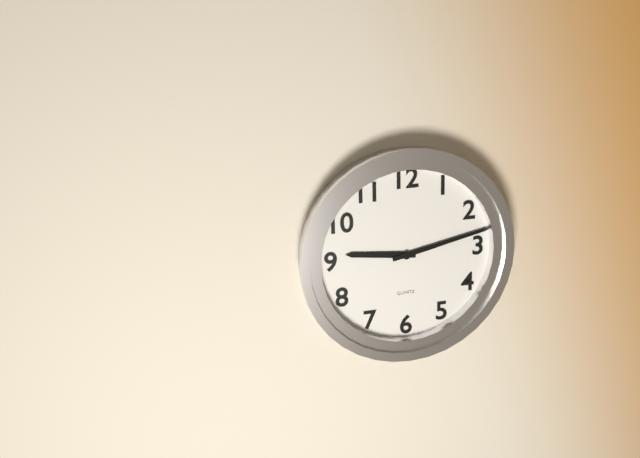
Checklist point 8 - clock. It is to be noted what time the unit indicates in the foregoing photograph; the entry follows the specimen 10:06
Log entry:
9:13
